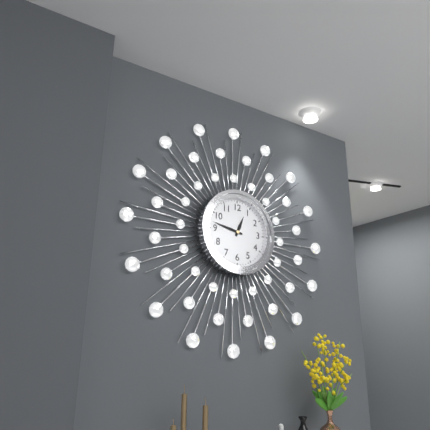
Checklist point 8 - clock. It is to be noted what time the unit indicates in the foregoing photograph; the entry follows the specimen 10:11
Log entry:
12:47
